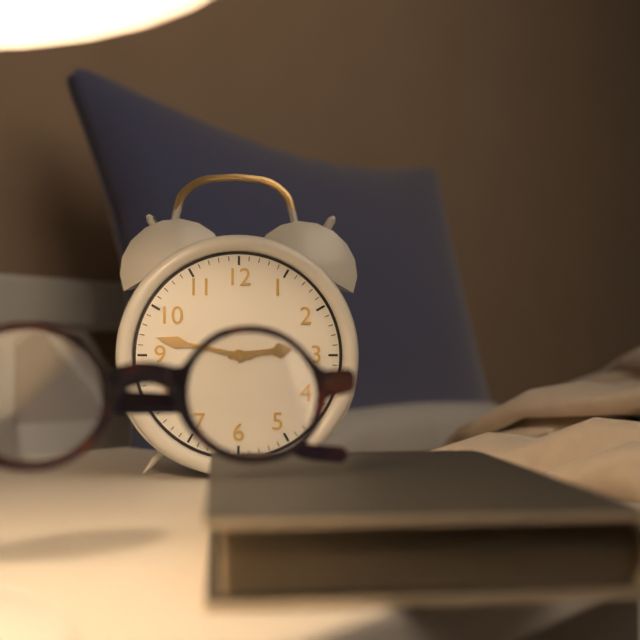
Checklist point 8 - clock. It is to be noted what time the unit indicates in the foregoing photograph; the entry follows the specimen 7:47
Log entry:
2:47
